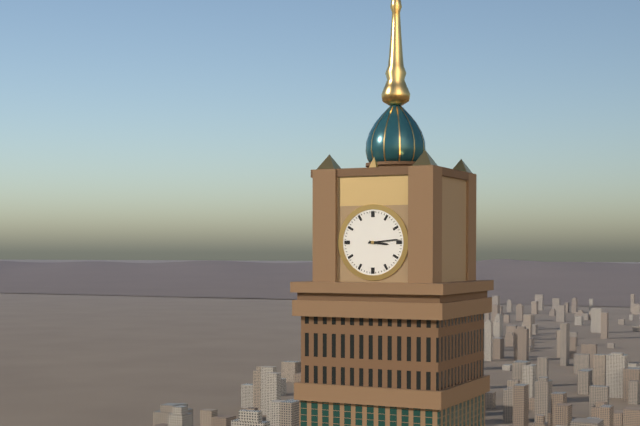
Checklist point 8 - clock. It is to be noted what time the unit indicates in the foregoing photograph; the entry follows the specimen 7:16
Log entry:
3:14
